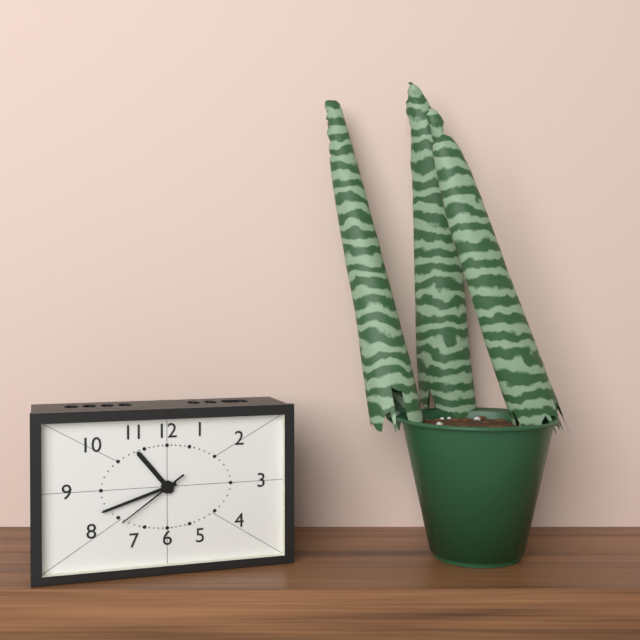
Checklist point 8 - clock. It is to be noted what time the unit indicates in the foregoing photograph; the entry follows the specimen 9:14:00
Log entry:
10:42:39
